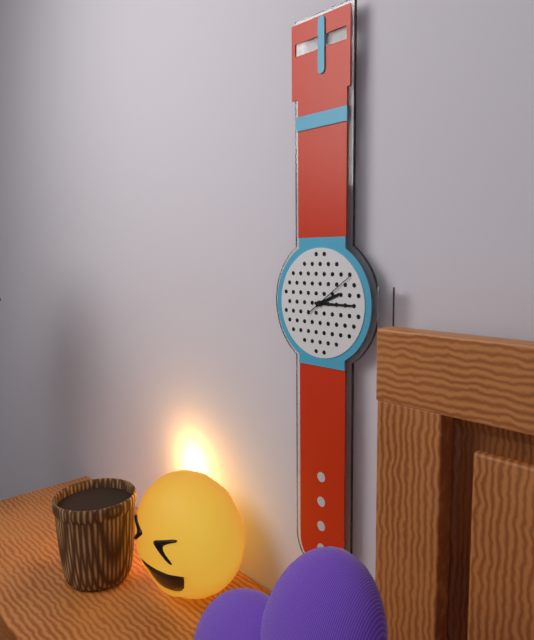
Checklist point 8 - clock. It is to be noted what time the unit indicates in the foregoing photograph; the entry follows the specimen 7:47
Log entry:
2:15
